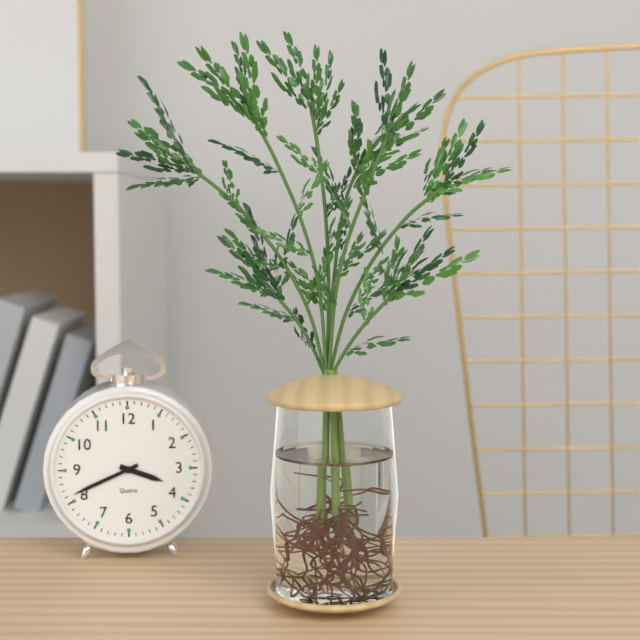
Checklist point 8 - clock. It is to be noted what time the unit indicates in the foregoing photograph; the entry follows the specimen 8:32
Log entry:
3:41
